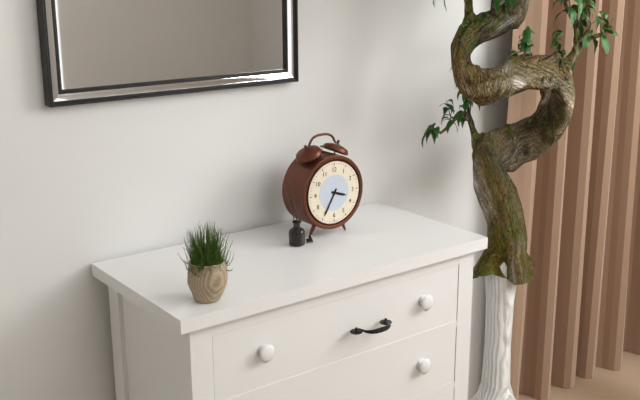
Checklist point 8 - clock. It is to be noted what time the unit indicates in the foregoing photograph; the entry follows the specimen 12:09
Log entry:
3:35
